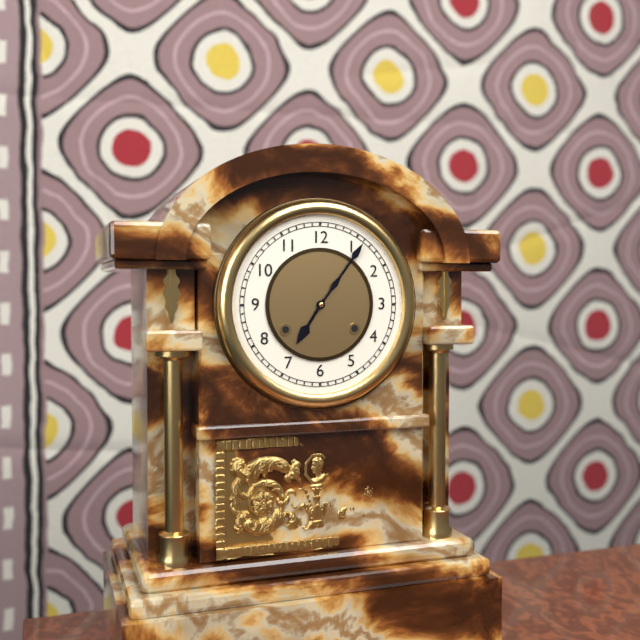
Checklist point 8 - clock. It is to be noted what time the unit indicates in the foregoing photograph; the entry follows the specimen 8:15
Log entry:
7:06
